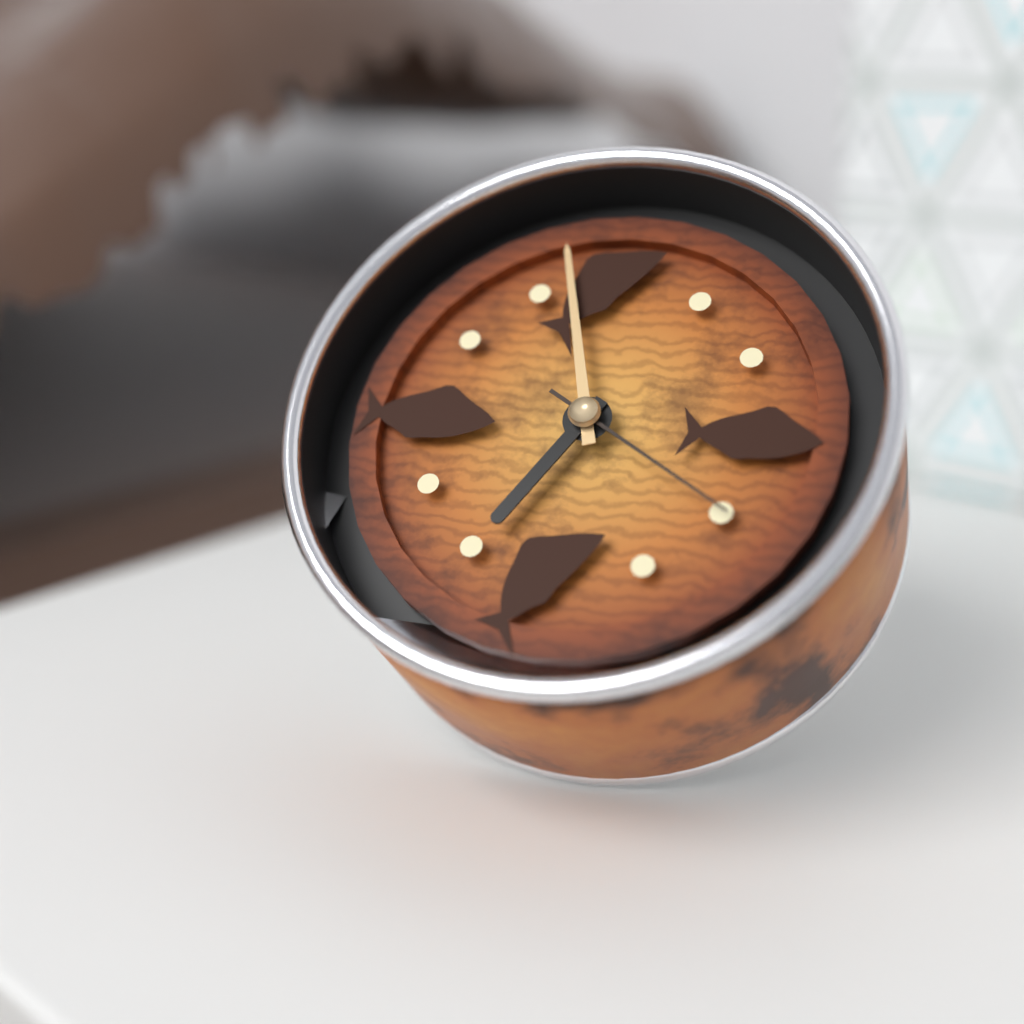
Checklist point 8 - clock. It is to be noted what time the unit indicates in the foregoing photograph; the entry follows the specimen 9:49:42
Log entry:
6:57:20
